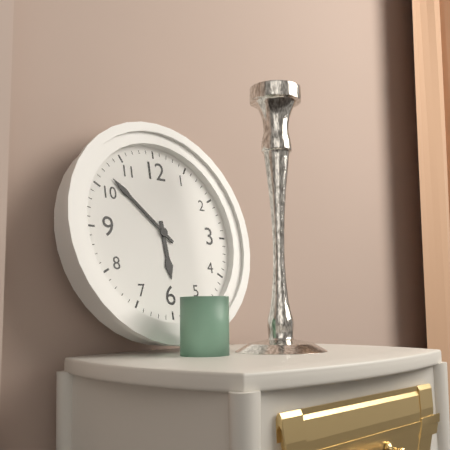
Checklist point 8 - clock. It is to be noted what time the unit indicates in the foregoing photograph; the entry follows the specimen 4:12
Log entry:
5:52
